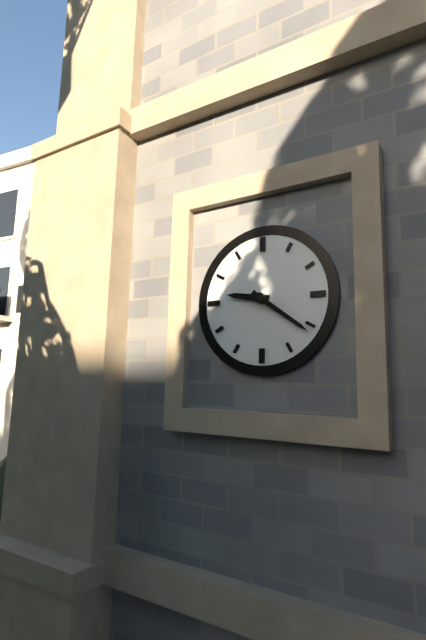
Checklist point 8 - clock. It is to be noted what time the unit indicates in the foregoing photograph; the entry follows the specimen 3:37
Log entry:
9:21
